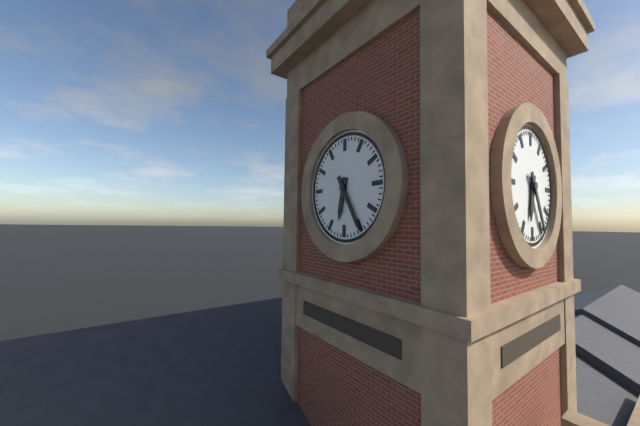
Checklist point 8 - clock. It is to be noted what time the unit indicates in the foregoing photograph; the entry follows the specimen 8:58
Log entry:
6:25
